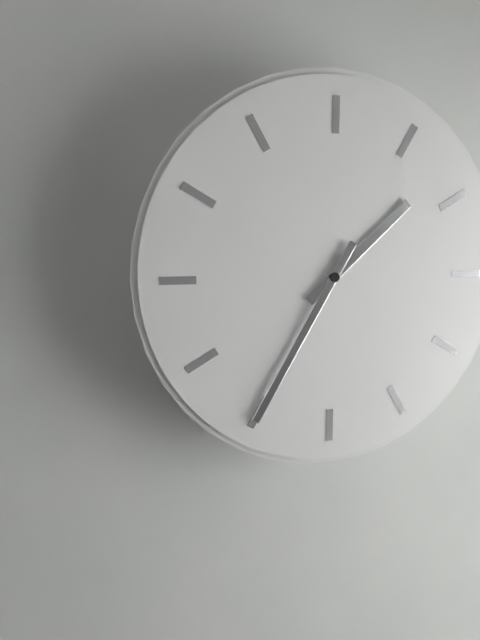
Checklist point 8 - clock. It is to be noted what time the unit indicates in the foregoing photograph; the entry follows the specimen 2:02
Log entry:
1:35
